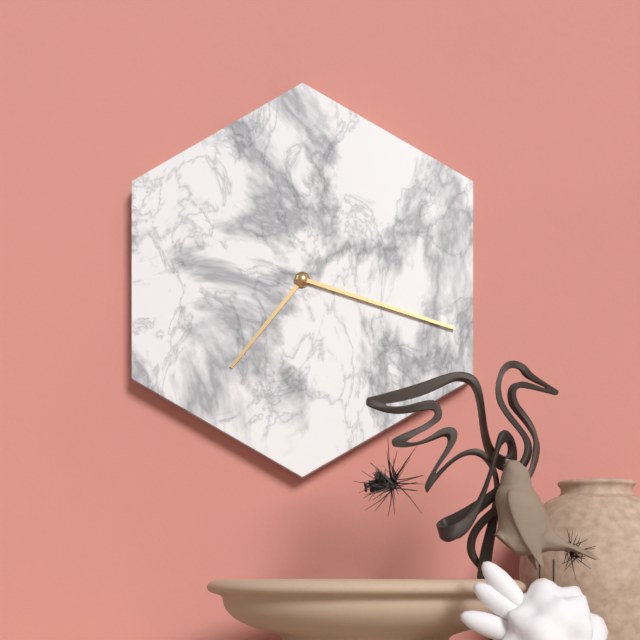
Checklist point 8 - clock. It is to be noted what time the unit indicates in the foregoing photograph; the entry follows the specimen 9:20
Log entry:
7:18
